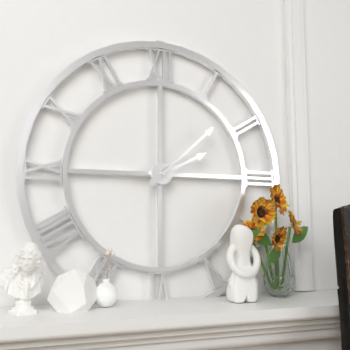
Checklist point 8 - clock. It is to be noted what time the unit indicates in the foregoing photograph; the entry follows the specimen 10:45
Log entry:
2:08
